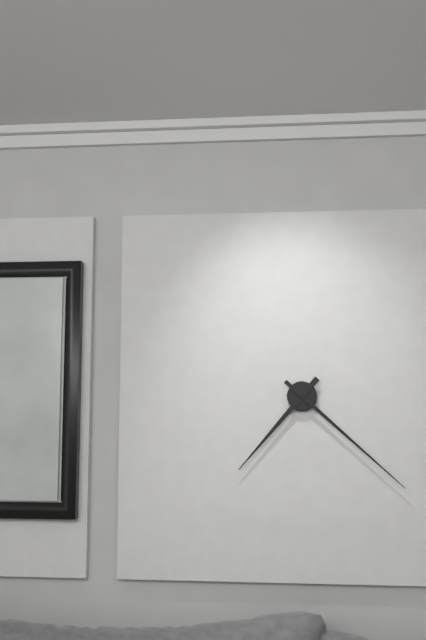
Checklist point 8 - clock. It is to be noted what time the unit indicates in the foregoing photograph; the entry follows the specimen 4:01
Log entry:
7:22
